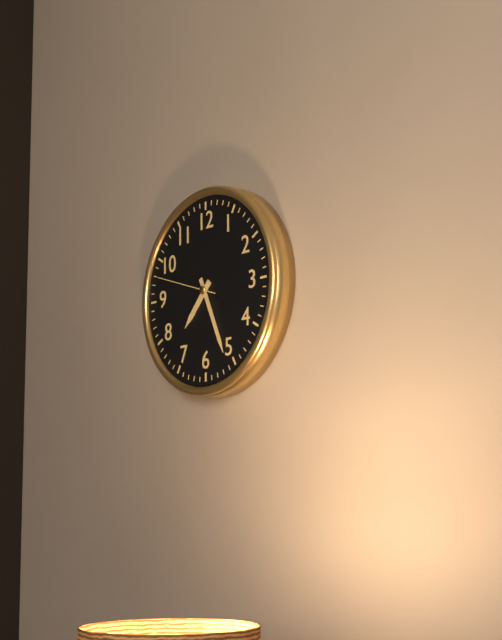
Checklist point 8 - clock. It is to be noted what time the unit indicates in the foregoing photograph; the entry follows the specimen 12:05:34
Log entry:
7:26:48
